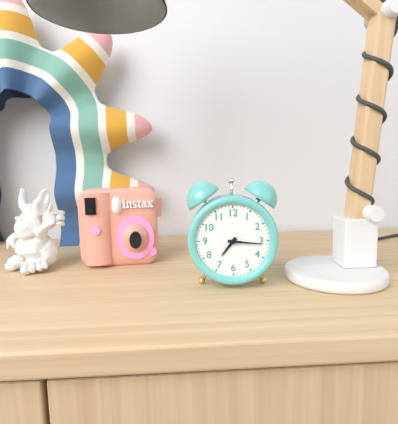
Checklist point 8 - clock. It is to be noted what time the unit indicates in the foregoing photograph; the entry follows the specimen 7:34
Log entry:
7:16
